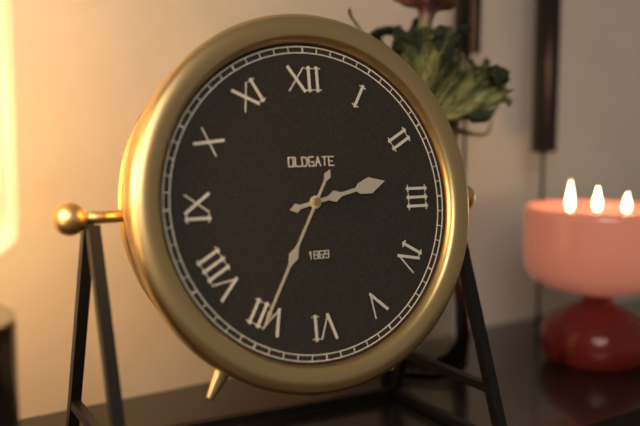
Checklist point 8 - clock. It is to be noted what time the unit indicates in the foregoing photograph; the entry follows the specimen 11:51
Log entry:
2:35
